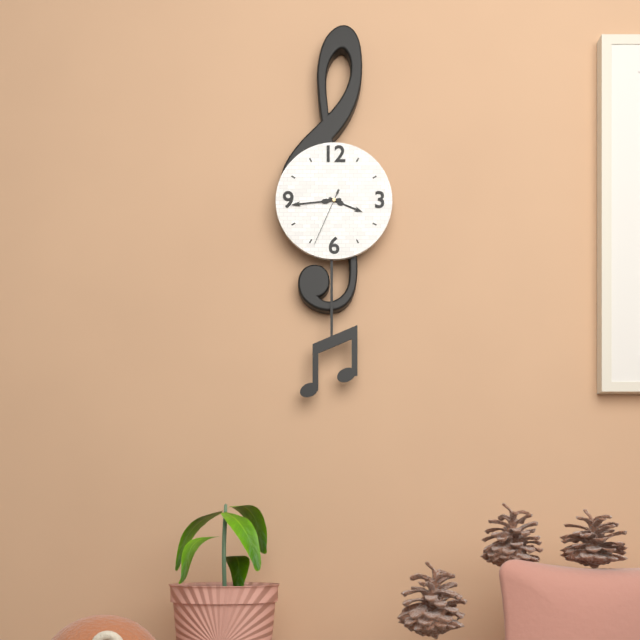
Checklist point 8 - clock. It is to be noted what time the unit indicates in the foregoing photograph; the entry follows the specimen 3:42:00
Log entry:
3:44:34
